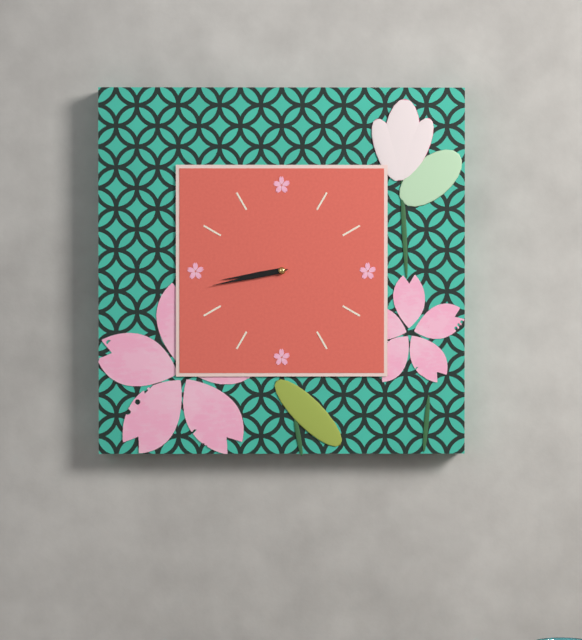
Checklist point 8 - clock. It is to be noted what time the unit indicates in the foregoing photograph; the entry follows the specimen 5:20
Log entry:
8:43
